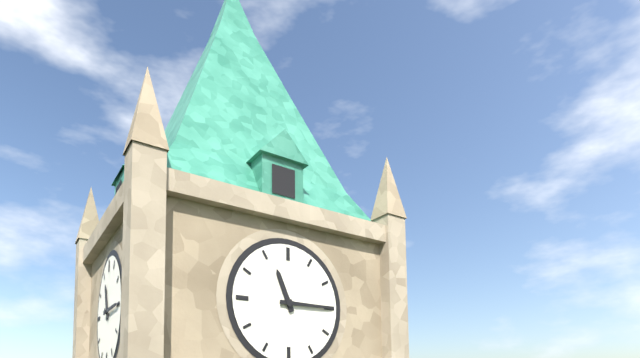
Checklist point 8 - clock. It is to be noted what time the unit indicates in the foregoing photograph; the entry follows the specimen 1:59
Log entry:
11:15
